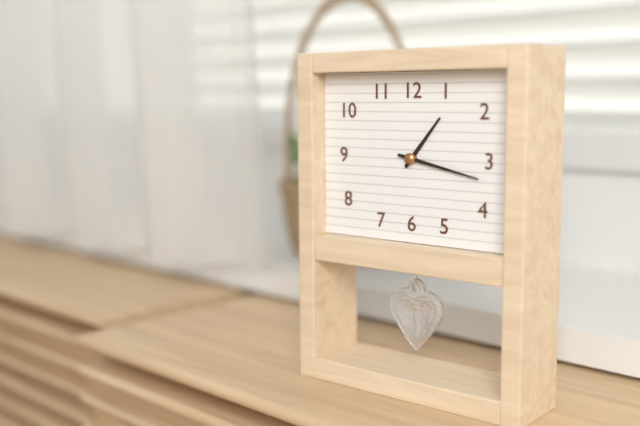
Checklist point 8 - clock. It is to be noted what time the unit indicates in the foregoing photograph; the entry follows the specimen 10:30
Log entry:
1:17
